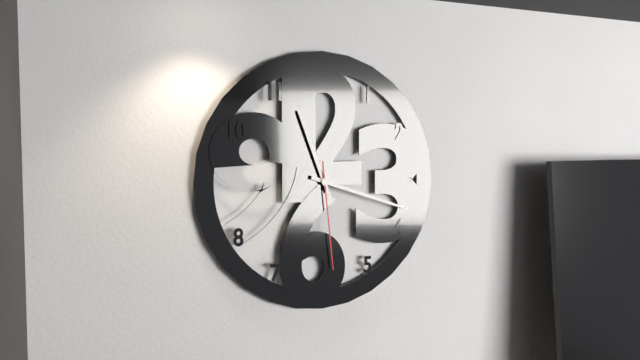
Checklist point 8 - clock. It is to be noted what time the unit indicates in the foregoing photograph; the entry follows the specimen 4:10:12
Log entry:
11:18:29
